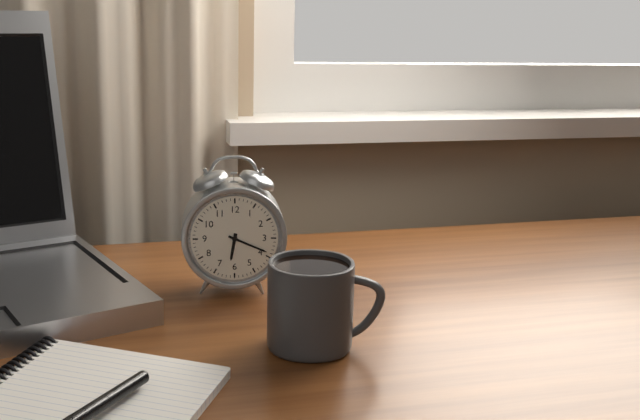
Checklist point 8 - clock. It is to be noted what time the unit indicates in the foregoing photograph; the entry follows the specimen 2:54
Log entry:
6:19
